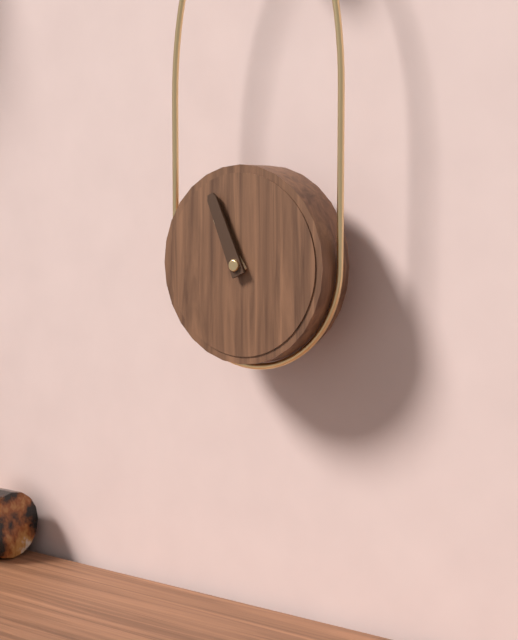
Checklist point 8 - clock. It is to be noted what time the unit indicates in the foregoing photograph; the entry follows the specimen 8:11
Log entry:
10:56
